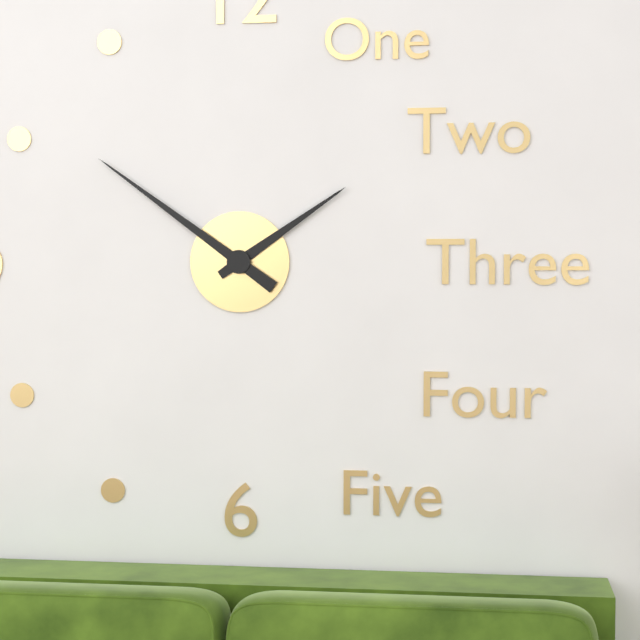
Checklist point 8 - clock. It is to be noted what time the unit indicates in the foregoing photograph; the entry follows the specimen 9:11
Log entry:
1:51
